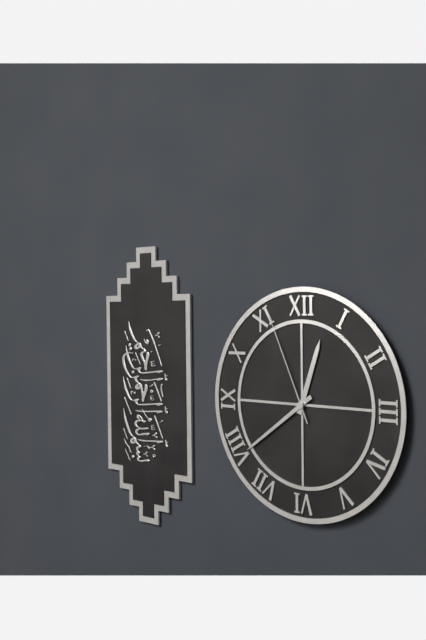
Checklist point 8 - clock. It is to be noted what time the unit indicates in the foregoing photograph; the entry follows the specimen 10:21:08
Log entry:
12:39:56
